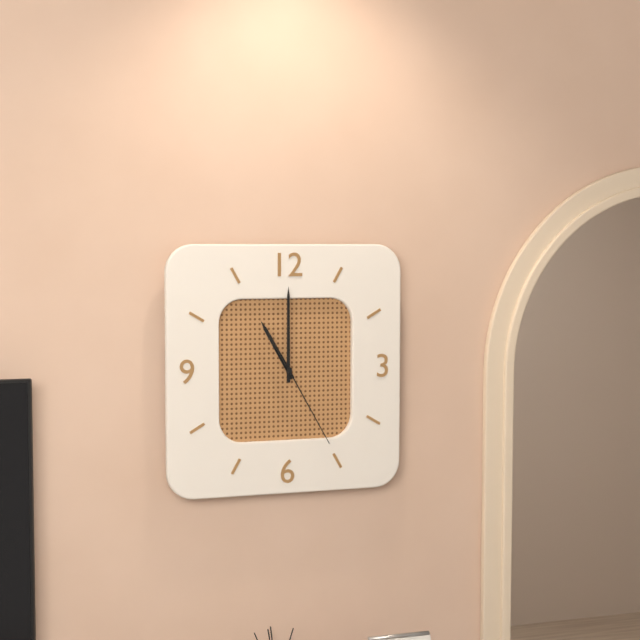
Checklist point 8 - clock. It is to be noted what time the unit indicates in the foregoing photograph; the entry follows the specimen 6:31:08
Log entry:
11:00:25
